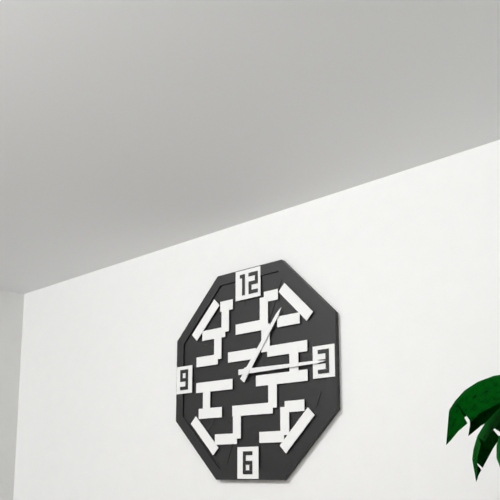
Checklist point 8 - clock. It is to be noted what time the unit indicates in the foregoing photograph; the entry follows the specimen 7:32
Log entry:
1:15
